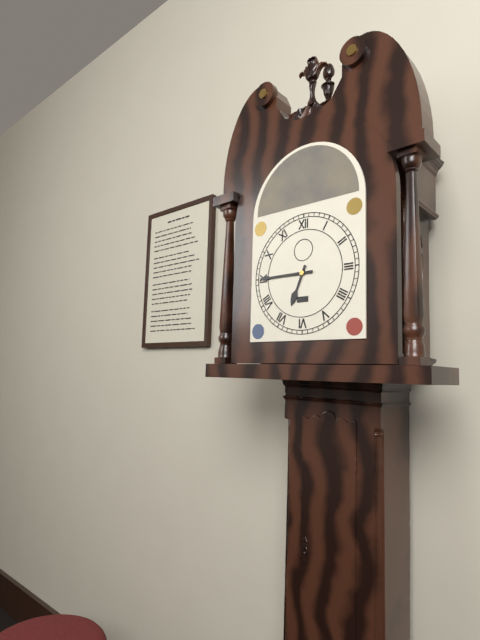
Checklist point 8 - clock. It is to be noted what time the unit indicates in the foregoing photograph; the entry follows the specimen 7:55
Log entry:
6:45
